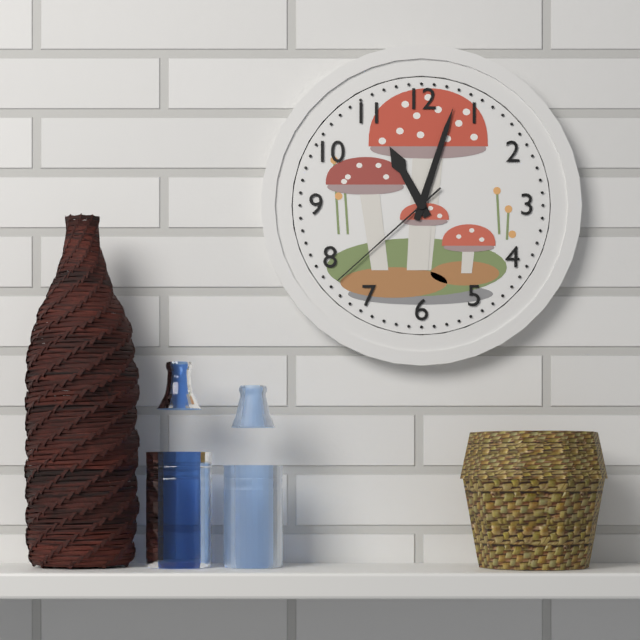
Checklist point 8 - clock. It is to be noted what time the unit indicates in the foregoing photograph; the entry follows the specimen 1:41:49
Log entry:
11:03:38
